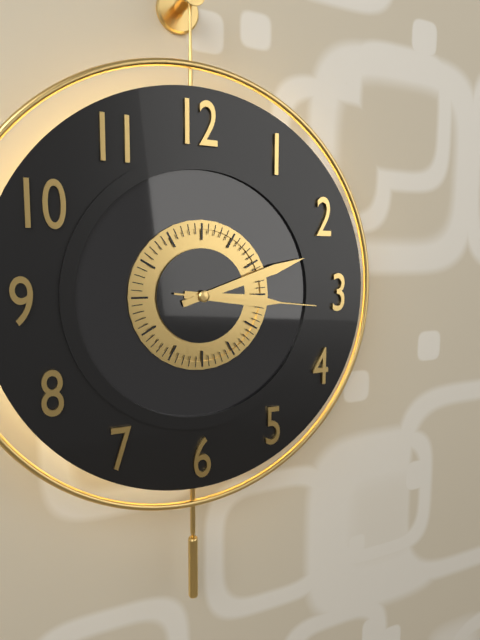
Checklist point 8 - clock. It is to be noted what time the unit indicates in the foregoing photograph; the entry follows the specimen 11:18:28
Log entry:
3:12:16
